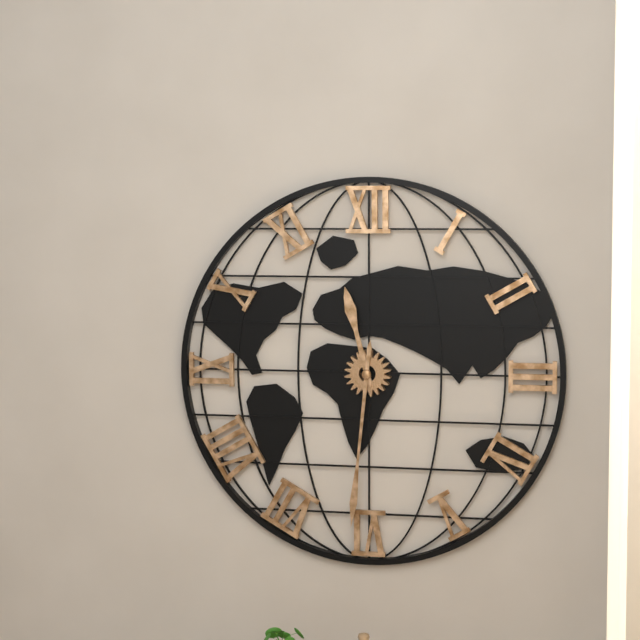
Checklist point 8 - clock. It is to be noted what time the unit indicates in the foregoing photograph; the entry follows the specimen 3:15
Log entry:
11:31
